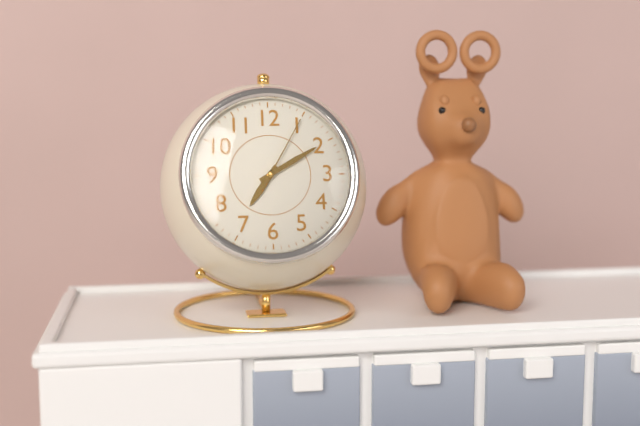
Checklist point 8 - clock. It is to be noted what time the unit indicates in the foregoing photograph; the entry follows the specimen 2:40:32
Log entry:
7:10:05
